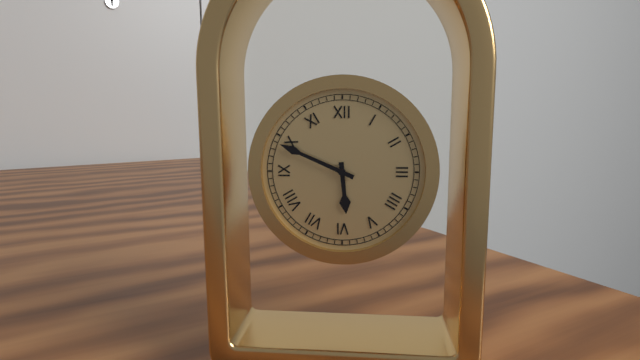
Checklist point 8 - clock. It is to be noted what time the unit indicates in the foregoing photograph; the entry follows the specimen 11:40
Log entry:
5:49
